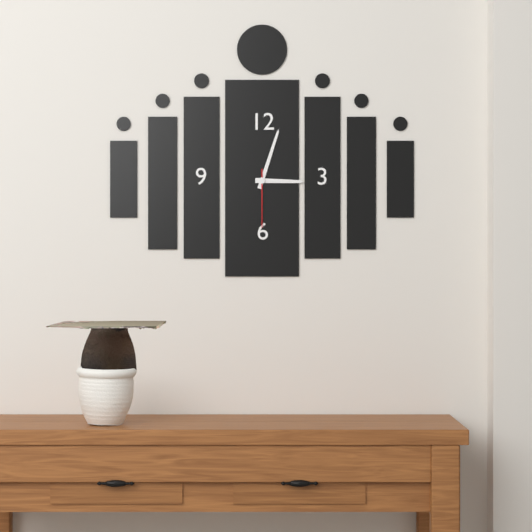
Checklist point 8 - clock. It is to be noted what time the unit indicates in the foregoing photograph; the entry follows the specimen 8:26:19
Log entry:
3:03:30
